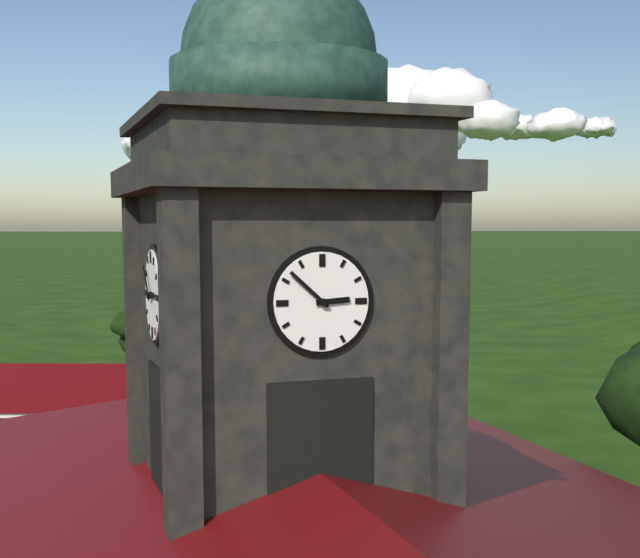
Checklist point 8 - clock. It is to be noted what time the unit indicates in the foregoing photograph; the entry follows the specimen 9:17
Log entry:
2:52
